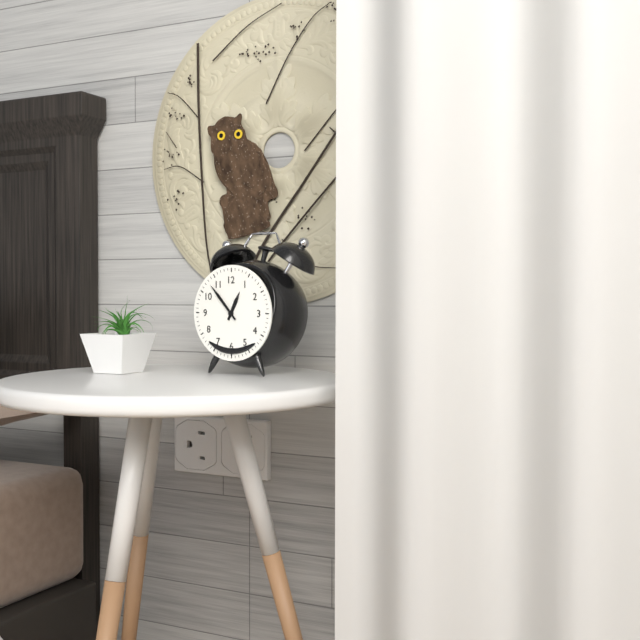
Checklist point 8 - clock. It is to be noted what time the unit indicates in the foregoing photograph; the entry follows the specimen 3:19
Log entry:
12:53
